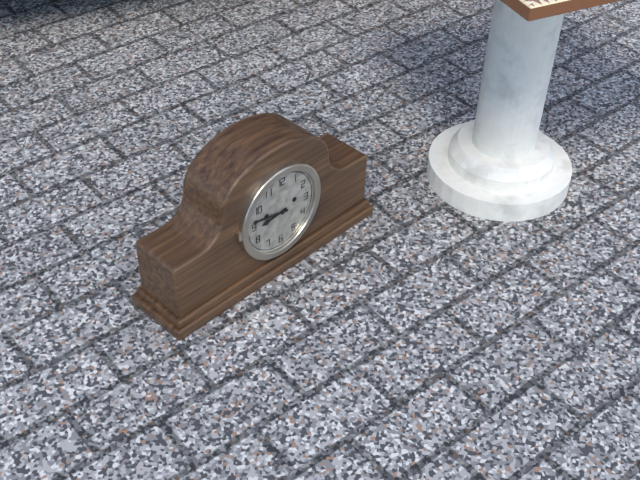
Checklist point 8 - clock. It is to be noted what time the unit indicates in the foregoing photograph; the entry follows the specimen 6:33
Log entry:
8:47
